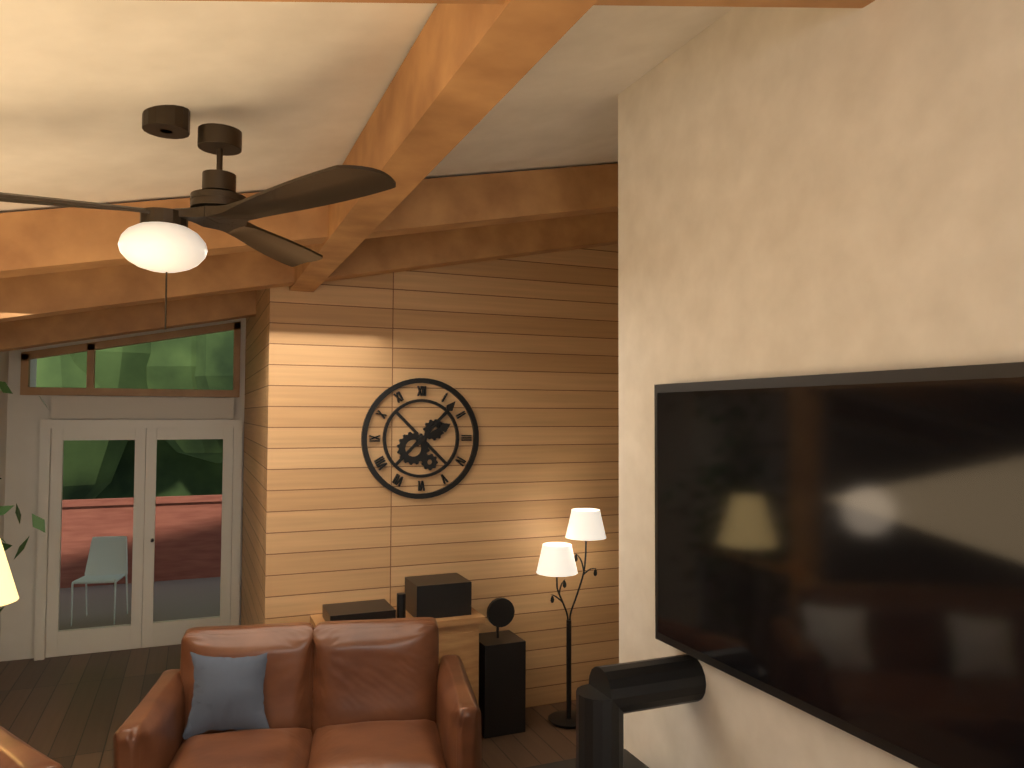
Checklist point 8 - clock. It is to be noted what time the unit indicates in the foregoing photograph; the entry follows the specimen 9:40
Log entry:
2:07
